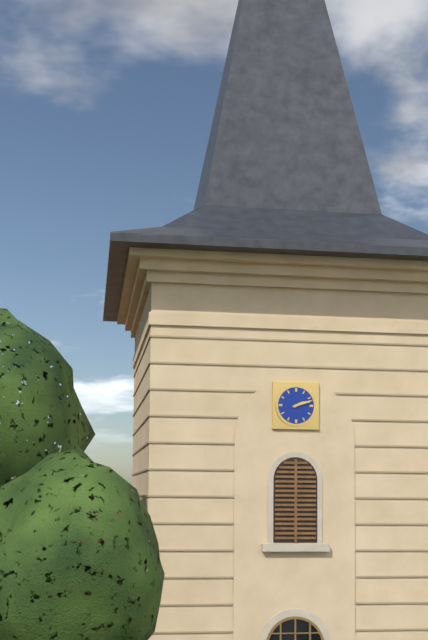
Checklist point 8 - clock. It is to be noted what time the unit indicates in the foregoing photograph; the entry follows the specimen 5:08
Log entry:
2:12
